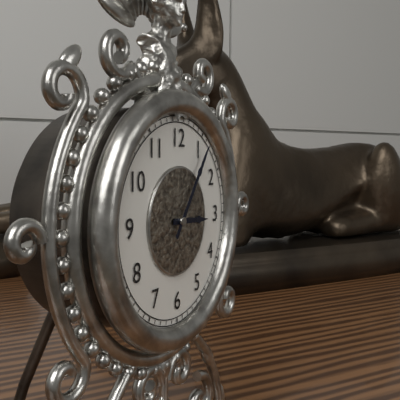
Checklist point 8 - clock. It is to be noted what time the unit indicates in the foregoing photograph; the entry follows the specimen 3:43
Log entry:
3:06
